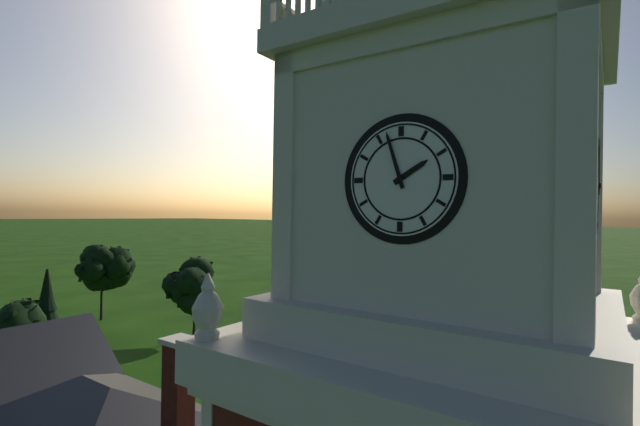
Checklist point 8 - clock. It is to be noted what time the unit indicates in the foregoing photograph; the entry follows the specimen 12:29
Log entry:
1:57
